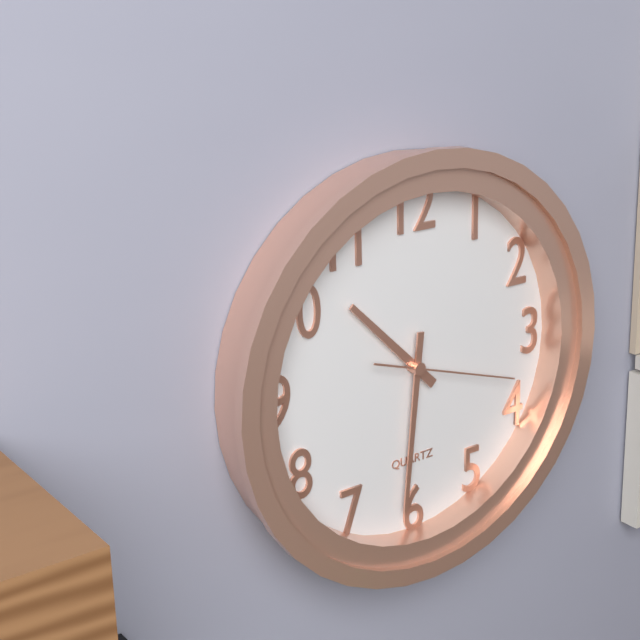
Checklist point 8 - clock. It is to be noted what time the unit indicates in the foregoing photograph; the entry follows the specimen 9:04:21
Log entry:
10:31:18
